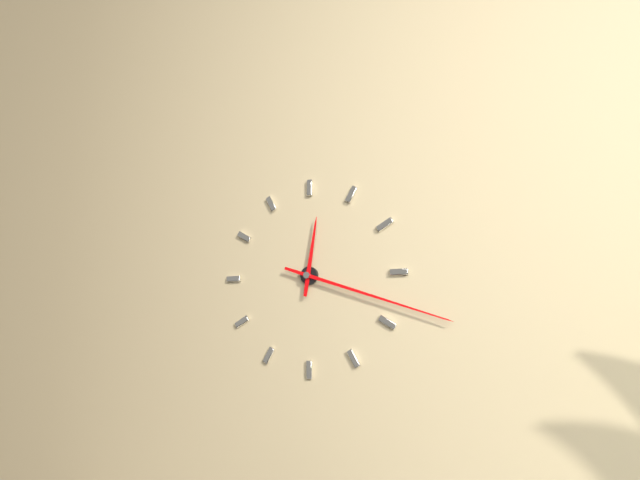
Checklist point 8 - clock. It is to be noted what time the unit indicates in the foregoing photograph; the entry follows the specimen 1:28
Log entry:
12:18
